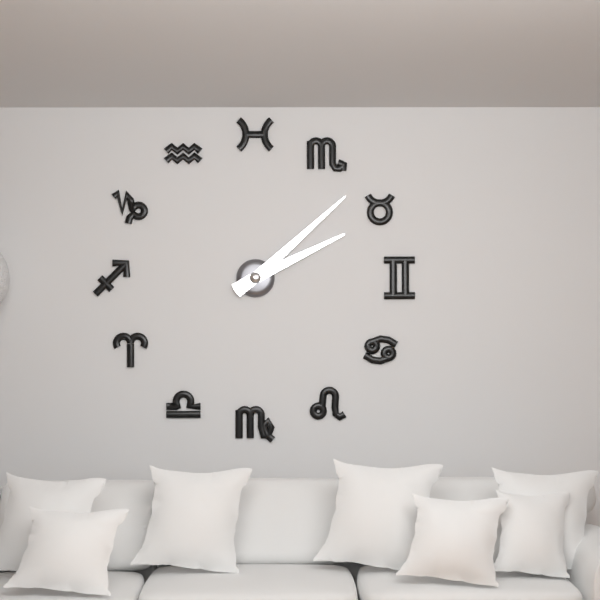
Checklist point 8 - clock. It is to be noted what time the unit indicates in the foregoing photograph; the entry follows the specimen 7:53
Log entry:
2:08
